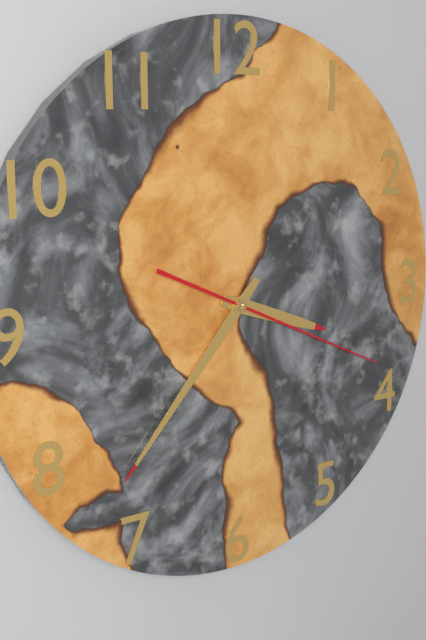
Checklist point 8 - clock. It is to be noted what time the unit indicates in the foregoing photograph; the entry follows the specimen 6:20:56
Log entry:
3:37:19
